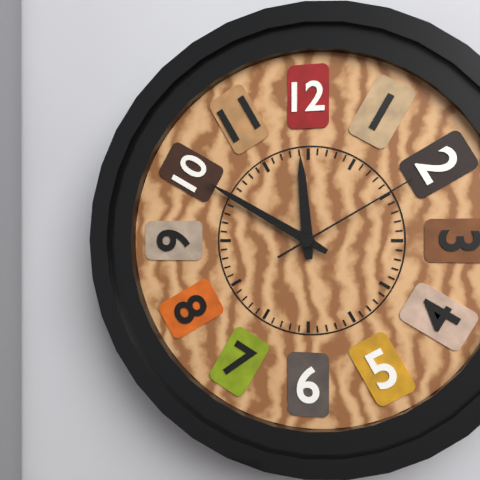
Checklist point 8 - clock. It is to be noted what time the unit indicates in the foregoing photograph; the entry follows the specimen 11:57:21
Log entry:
11:50:10
